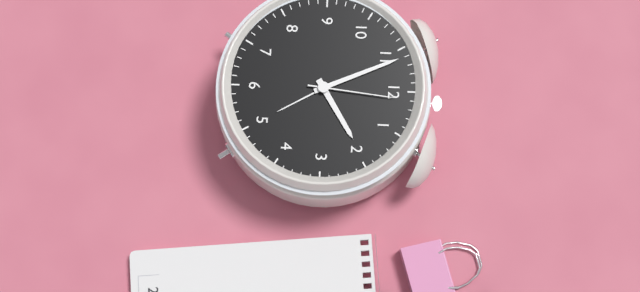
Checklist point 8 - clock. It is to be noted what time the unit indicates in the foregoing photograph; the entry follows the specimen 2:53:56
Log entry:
1:56:01
